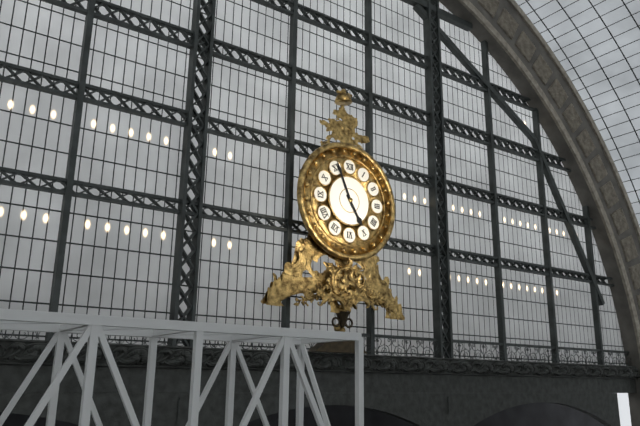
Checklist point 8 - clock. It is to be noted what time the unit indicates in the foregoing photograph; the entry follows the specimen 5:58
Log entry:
4:56
